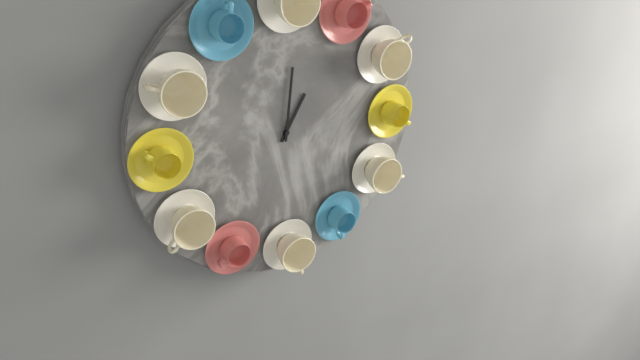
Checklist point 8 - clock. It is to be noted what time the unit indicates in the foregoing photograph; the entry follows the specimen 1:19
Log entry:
1:01
